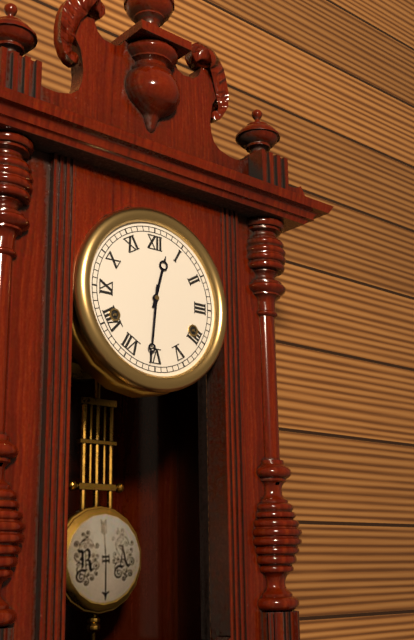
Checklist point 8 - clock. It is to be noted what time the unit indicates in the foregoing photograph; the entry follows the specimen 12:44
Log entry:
12:31
